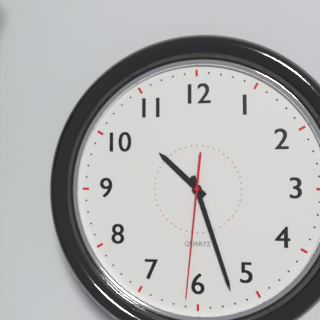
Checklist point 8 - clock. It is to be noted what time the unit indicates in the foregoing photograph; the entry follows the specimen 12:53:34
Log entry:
10:27:31
